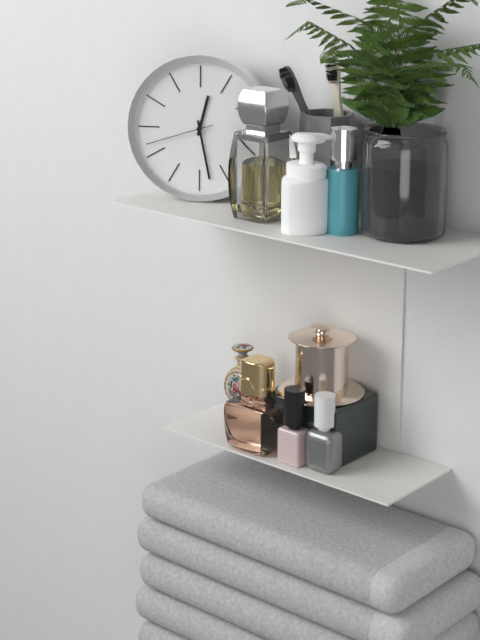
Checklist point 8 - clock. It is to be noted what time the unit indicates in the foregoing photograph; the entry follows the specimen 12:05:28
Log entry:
12:28:42
